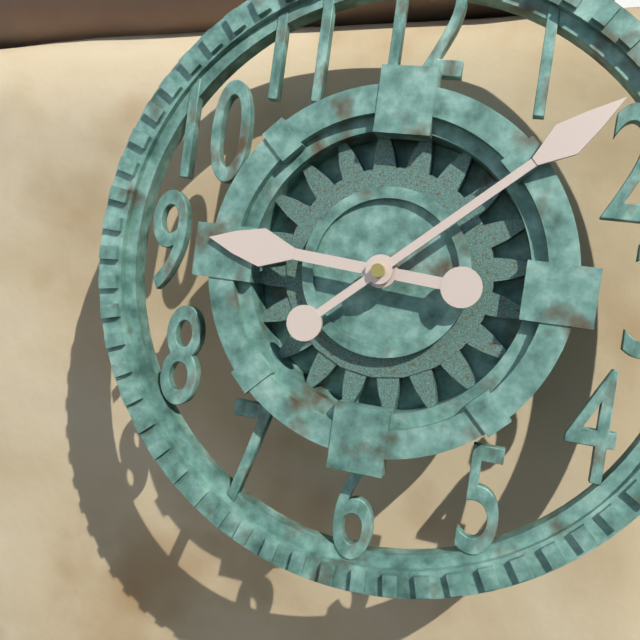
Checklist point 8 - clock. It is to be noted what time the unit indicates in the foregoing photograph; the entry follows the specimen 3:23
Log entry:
9:08
